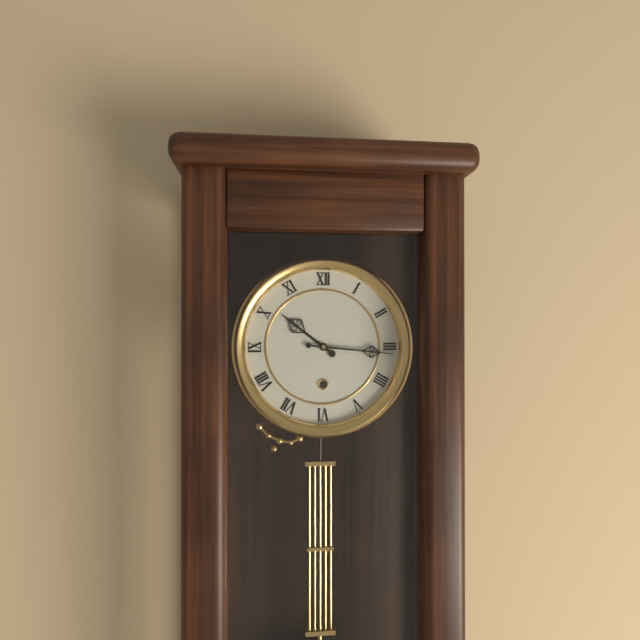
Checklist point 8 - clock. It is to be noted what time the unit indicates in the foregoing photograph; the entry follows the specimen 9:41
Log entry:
10:16
